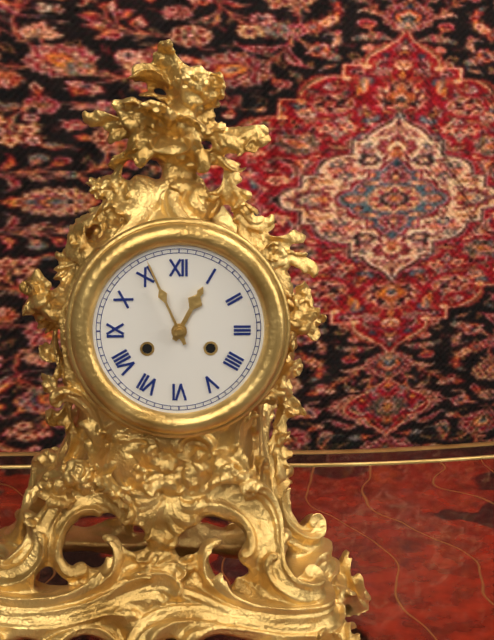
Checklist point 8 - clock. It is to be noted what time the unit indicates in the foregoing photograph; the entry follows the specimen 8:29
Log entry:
12:56
